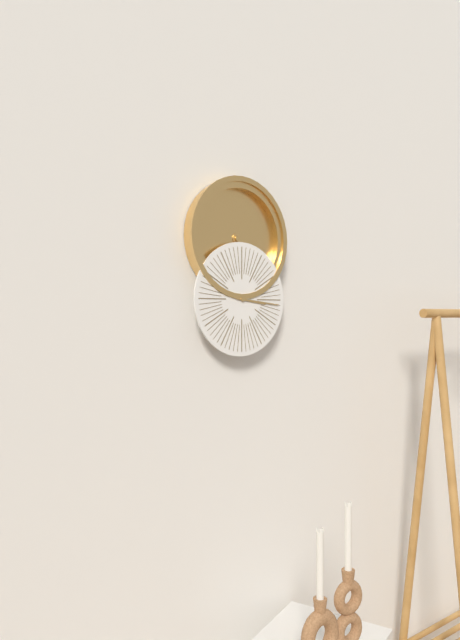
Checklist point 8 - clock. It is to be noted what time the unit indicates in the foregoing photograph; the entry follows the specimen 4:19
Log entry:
3:16
